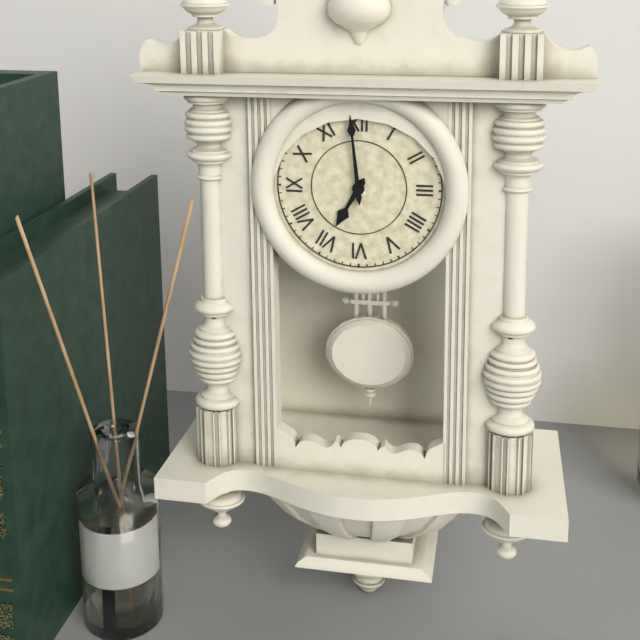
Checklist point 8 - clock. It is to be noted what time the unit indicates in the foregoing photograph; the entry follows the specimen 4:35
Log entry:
6:59
